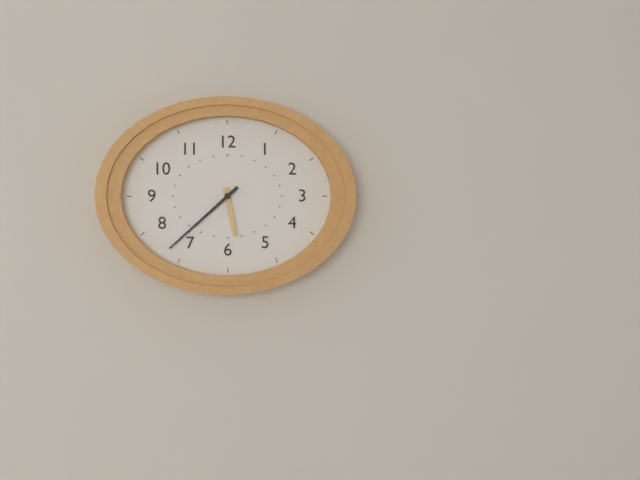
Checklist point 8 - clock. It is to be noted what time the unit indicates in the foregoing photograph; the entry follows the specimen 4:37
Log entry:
5:38
